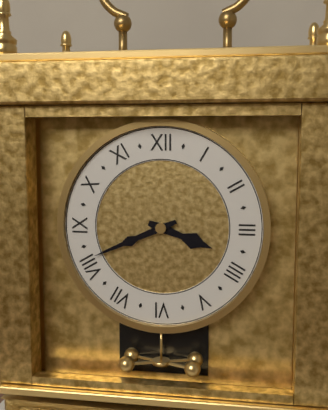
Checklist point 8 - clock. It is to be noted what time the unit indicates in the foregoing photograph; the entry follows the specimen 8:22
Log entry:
3:41
